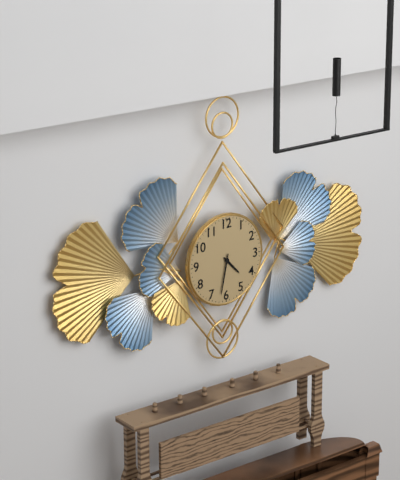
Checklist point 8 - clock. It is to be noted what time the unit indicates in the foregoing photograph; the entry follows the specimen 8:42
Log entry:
4:32
